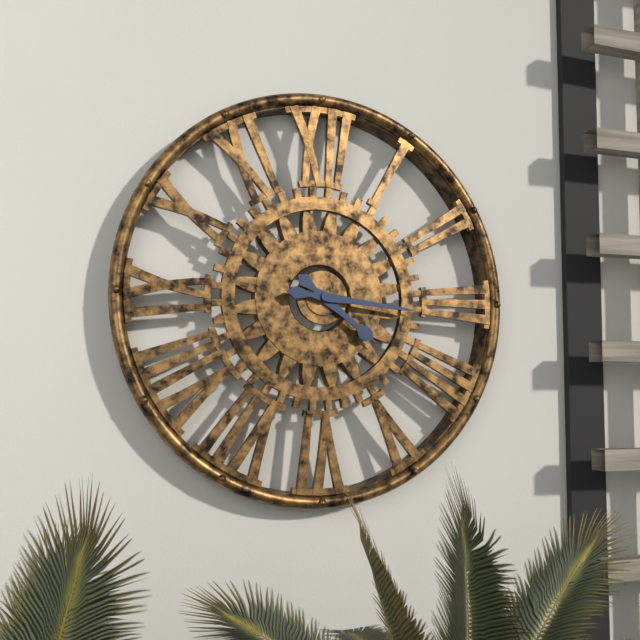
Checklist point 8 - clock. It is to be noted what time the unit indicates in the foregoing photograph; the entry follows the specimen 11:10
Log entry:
4:16
